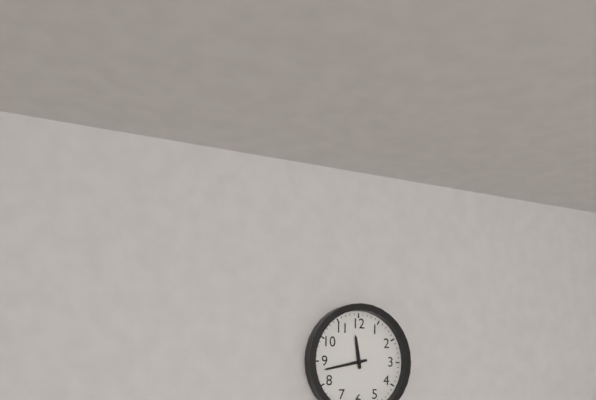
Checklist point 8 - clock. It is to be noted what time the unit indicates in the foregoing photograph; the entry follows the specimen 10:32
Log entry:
11:43
